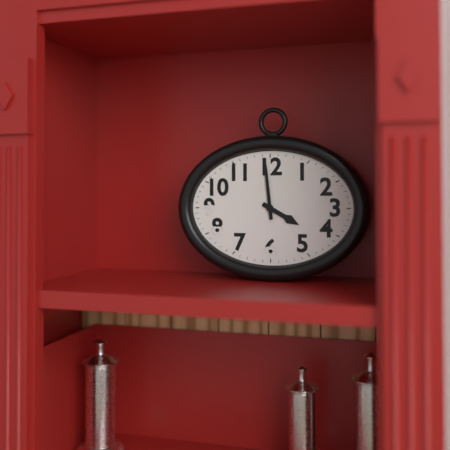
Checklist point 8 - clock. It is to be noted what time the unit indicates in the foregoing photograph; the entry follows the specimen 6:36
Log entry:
3:59
